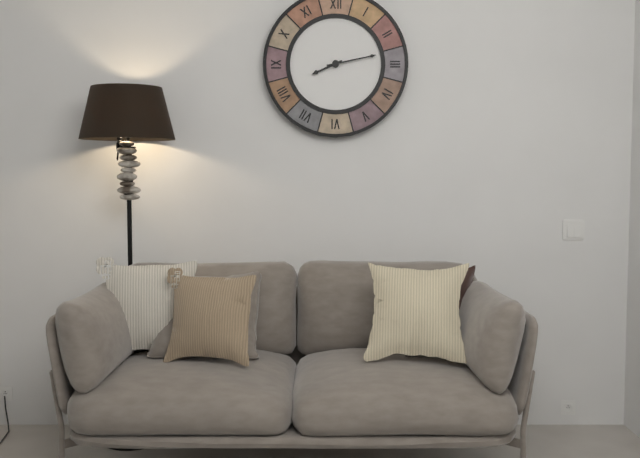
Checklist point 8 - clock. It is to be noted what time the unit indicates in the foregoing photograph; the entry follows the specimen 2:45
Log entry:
8:13
